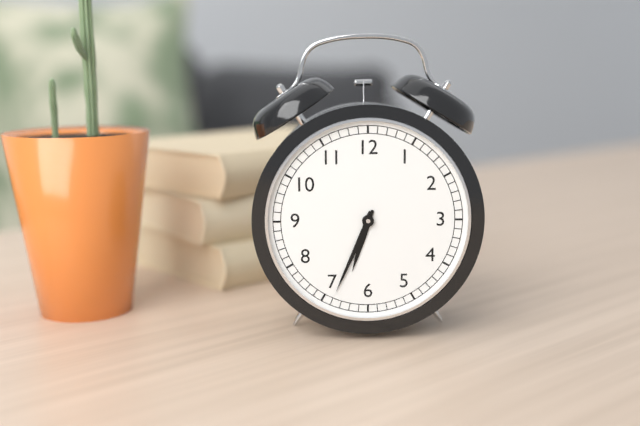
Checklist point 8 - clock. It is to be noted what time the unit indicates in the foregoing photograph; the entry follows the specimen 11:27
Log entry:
6:34
